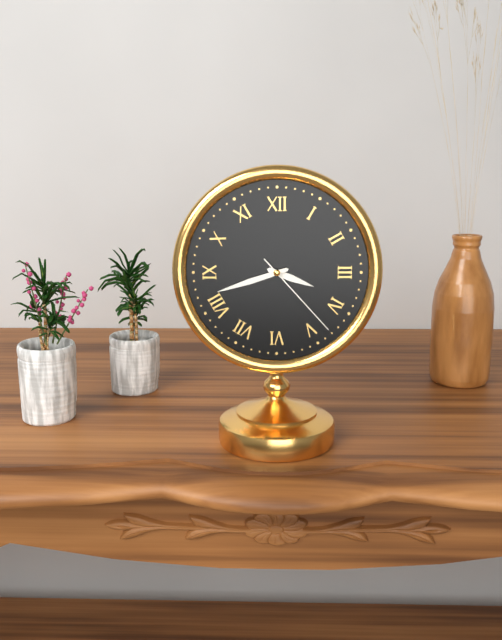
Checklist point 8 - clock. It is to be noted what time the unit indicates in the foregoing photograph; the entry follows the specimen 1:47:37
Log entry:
3:42:23
